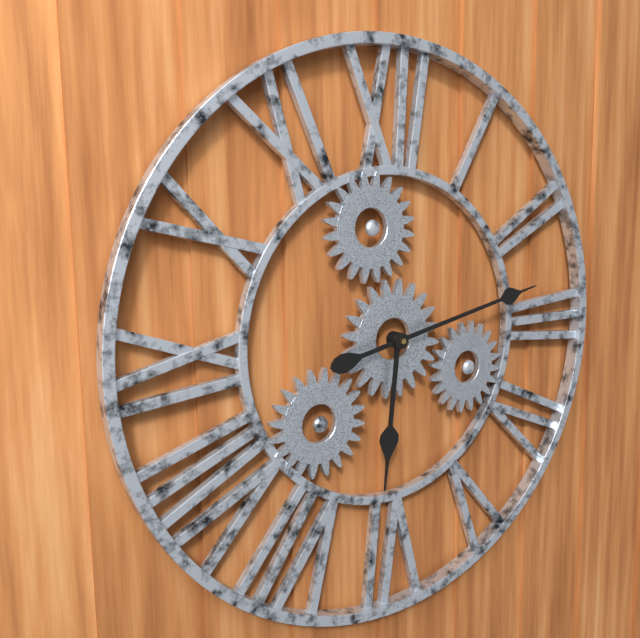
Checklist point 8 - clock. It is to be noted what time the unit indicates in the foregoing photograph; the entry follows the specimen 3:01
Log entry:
6:13
